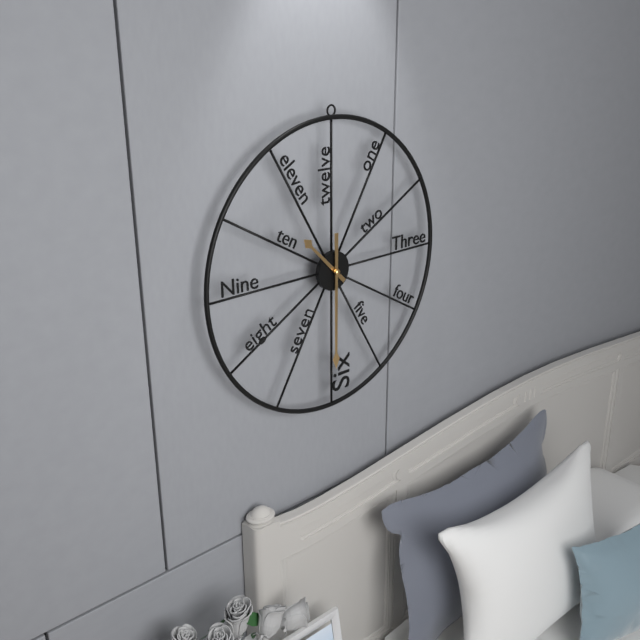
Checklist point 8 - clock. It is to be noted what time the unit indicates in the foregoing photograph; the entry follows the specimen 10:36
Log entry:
10:30
